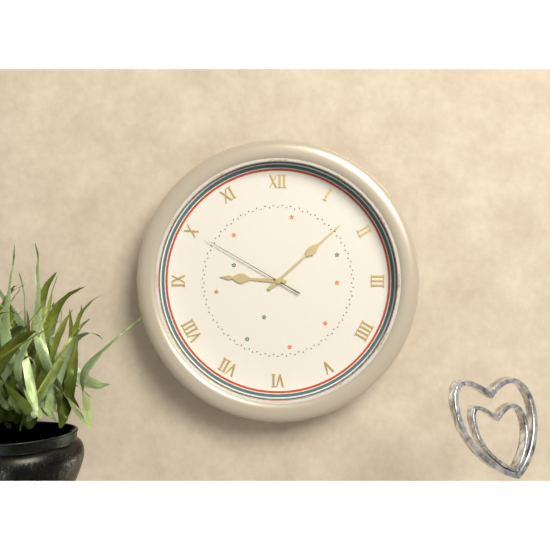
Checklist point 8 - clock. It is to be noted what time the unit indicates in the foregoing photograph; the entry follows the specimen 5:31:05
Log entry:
9:08:50
